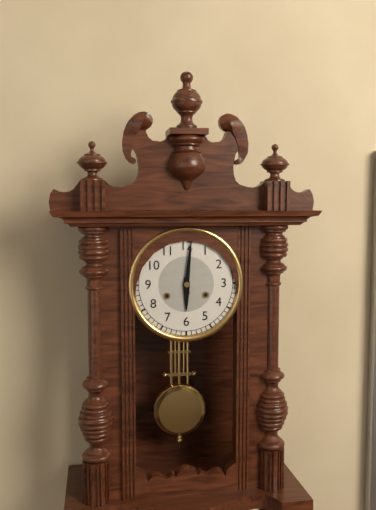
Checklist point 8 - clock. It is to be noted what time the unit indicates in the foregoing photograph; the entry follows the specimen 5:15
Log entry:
6:01
